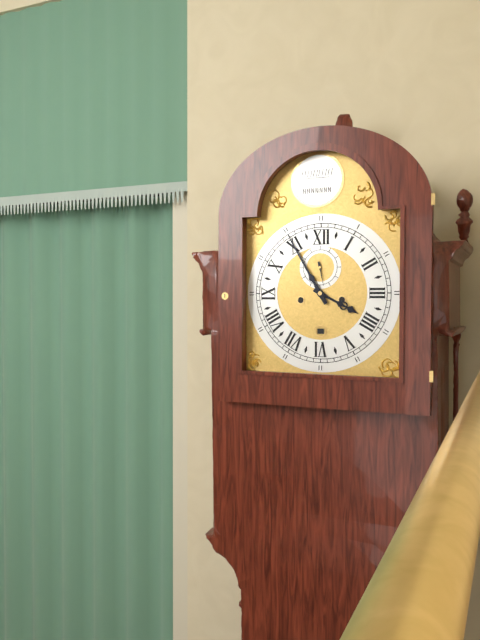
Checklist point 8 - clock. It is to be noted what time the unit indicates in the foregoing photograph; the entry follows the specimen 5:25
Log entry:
3:55
